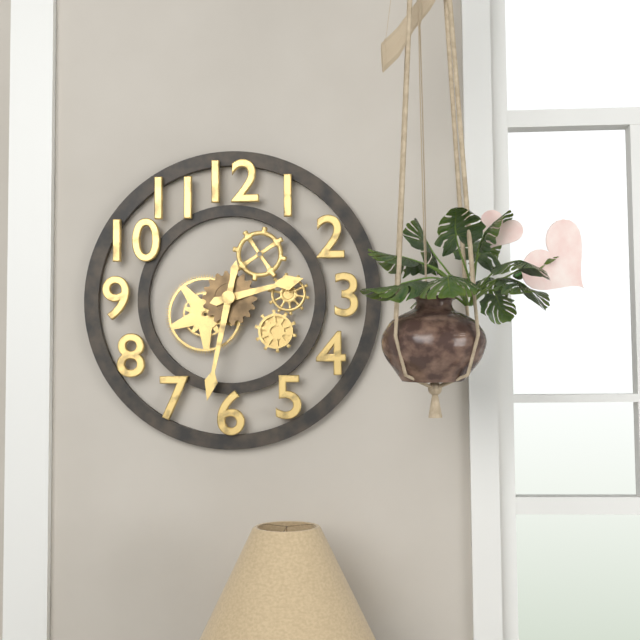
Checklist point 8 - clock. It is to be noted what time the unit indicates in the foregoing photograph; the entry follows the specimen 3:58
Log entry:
2:32
